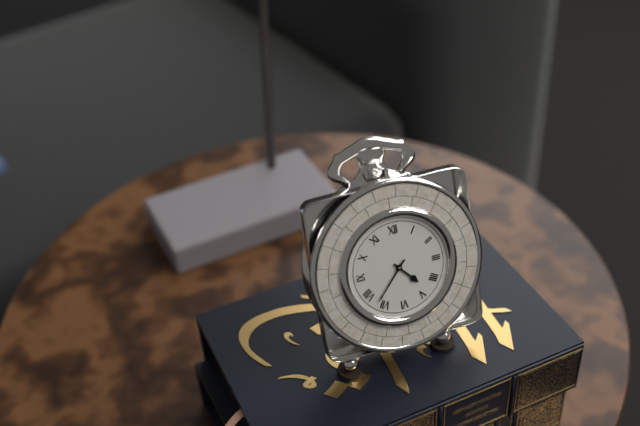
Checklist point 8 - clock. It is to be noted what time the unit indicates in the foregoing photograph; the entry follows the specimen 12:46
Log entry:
4:37
